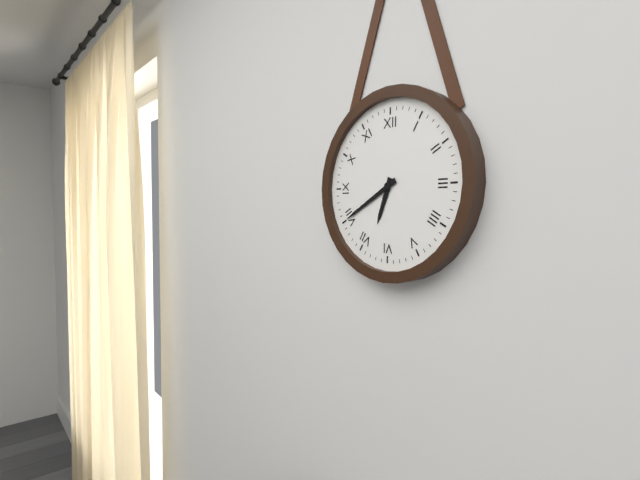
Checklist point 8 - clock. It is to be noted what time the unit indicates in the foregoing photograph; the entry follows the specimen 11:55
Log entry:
6:40
